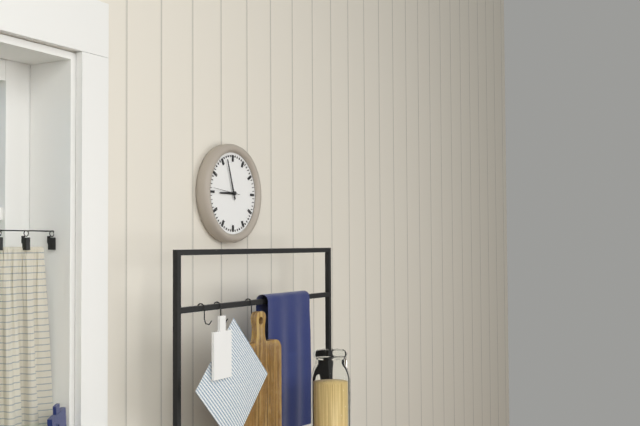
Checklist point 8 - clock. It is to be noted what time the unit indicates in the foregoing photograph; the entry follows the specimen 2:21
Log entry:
8:57
